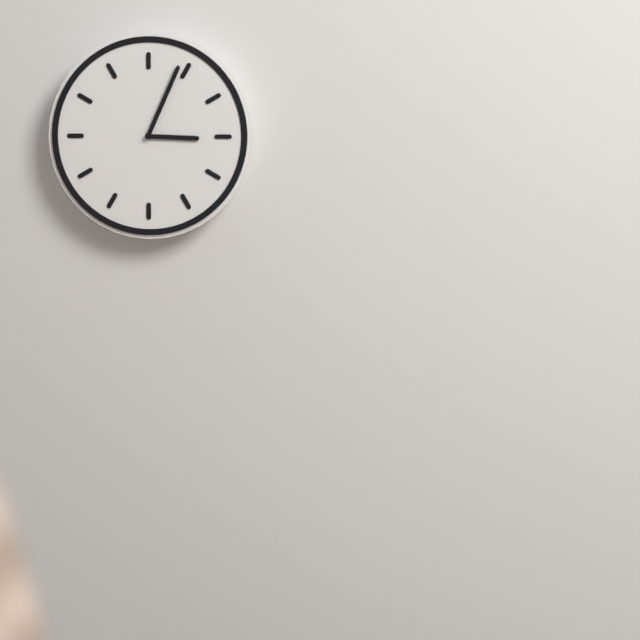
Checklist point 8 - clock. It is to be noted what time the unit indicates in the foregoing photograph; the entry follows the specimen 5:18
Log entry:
3:04
